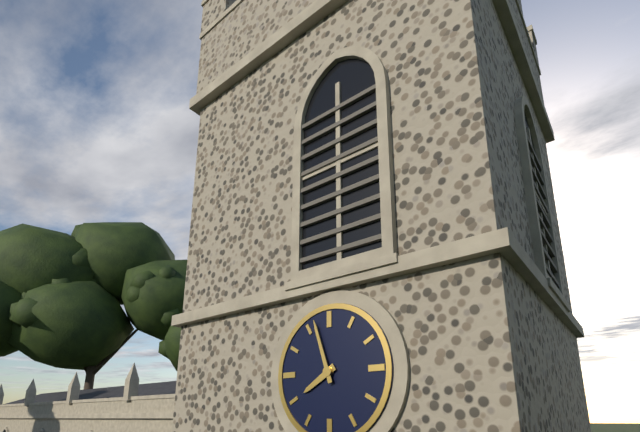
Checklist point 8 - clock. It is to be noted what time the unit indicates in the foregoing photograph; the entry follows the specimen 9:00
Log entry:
7:57
